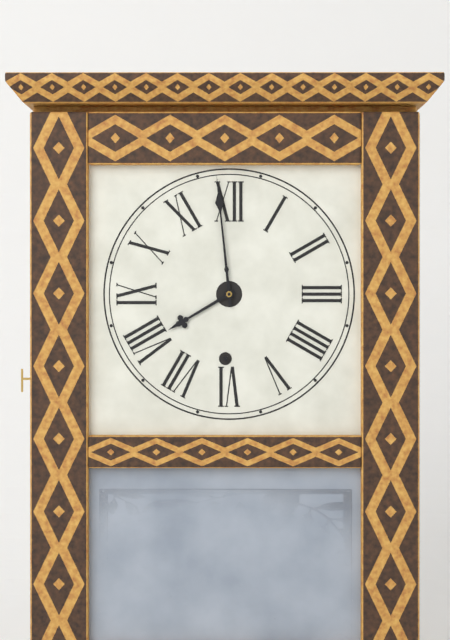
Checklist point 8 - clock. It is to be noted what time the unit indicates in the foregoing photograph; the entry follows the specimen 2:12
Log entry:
7:59
